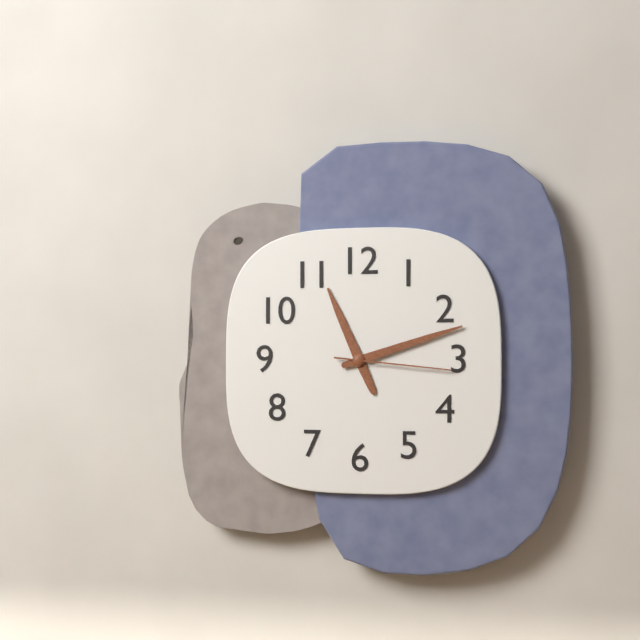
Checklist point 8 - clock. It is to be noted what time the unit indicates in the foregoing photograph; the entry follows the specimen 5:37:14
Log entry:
11:12:16
